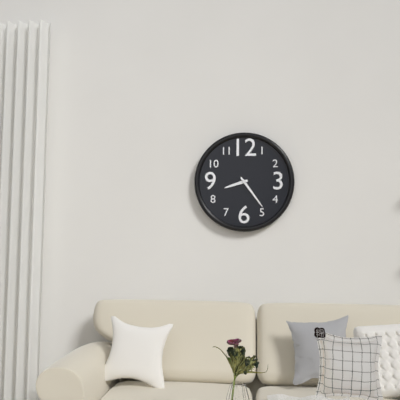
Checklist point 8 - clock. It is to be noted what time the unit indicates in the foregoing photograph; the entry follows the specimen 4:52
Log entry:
8:24
